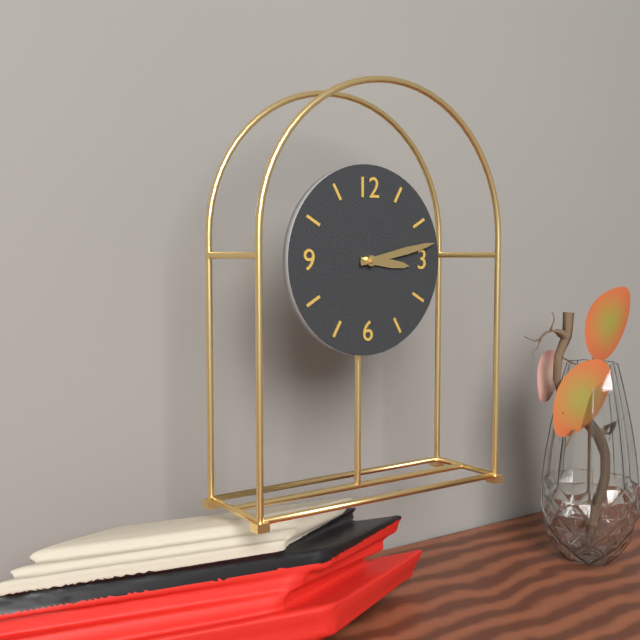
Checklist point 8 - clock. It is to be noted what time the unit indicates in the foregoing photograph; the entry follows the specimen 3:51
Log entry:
3:13
